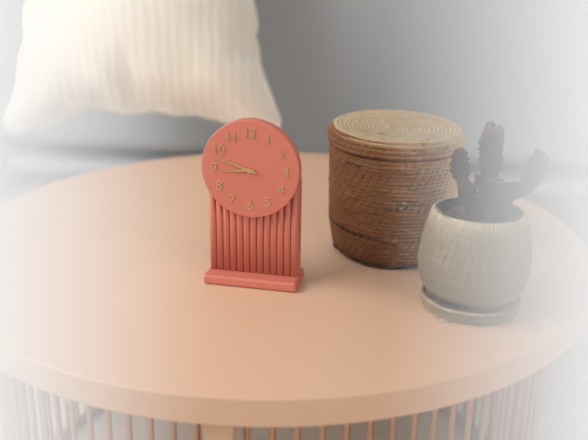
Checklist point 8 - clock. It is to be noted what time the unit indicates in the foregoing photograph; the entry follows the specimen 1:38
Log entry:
8:48
